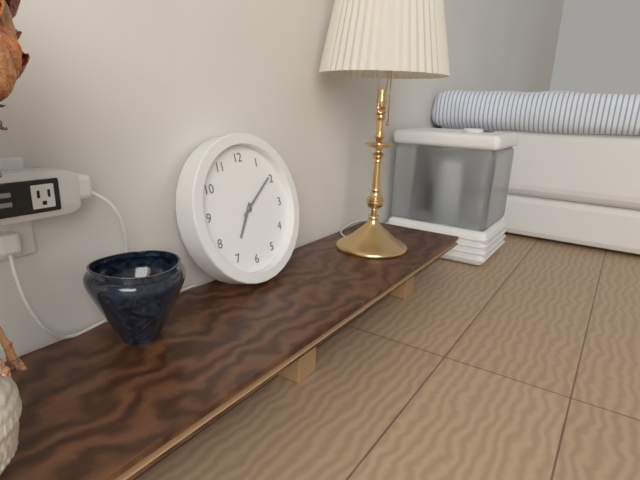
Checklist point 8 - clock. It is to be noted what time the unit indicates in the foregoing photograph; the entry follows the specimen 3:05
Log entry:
7:09
